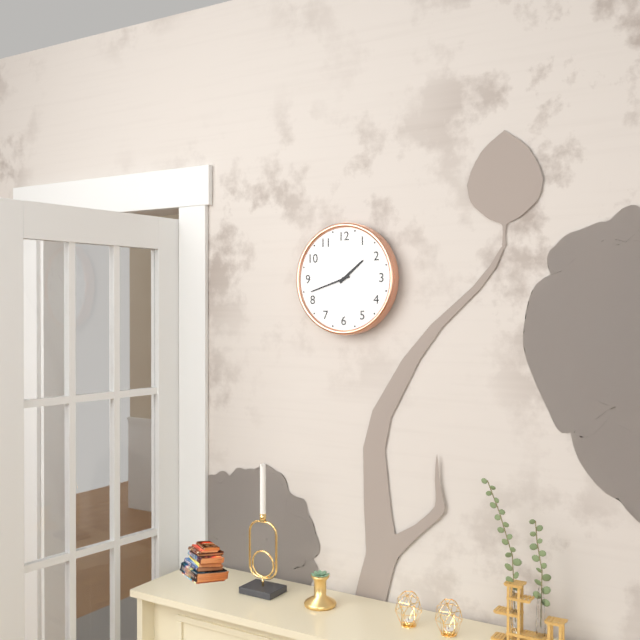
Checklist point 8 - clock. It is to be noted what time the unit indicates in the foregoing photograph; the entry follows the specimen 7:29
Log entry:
1:42
